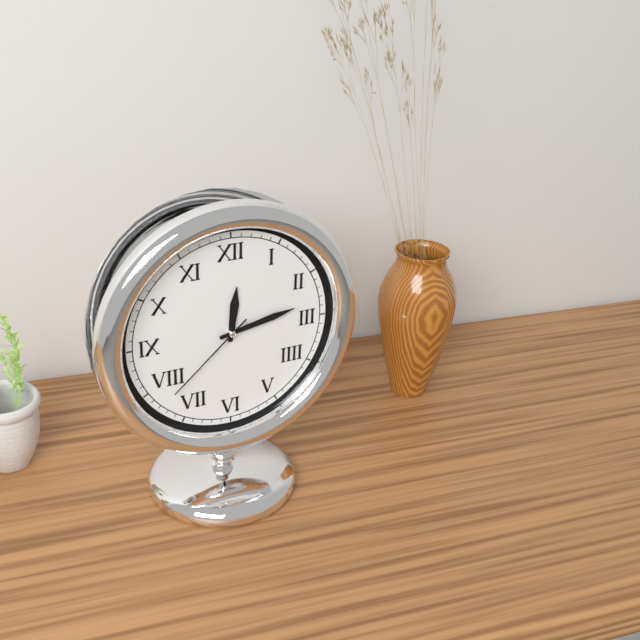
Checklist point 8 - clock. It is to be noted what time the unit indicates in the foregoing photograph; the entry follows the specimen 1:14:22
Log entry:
12:13:38
